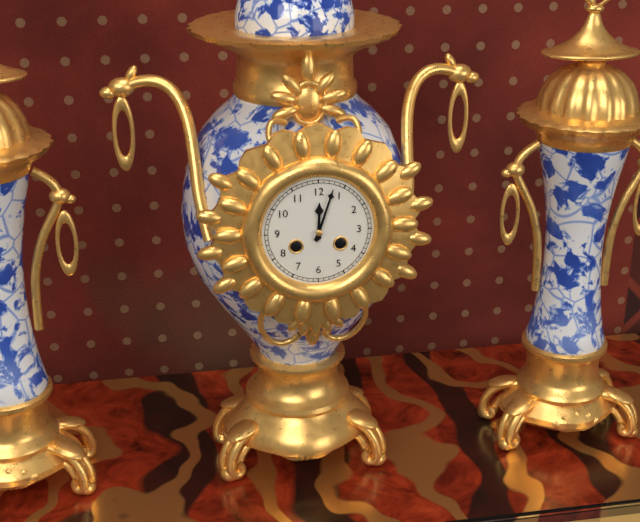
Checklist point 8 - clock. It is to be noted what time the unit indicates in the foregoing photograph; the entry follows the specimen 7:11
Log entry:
12:03
